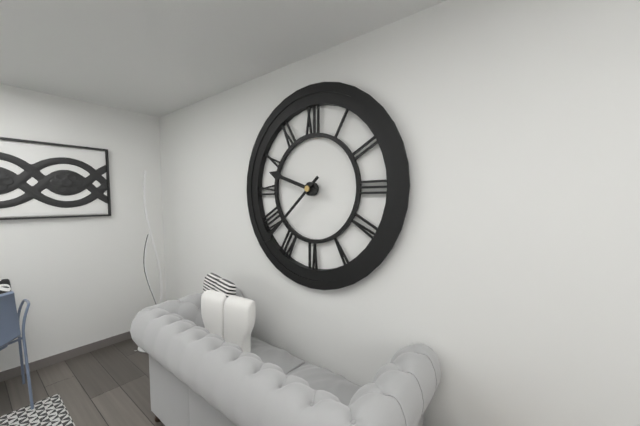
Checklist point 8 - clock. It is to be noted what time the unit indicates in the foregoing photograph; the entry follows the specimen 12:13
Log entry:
9:38
